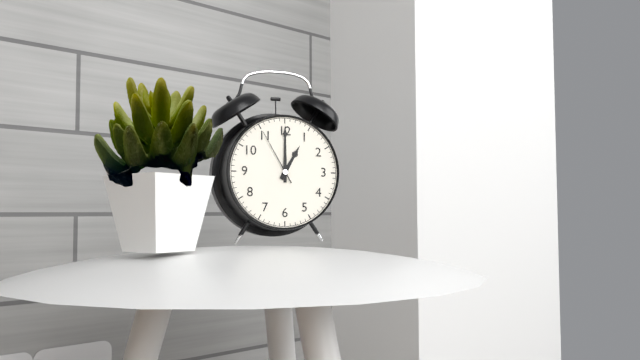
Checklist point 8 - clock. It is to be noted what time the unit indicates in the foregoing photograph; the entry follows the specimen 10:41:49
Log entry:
1:00:55
